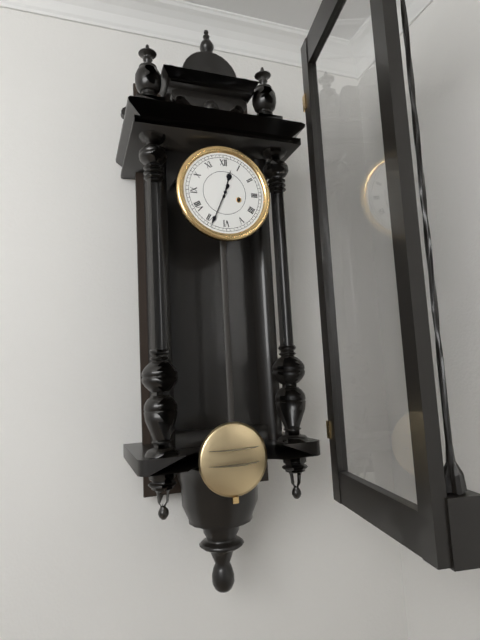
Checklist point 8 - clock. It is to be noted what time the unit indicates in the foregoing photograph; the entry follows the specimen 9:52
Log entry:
12:34
